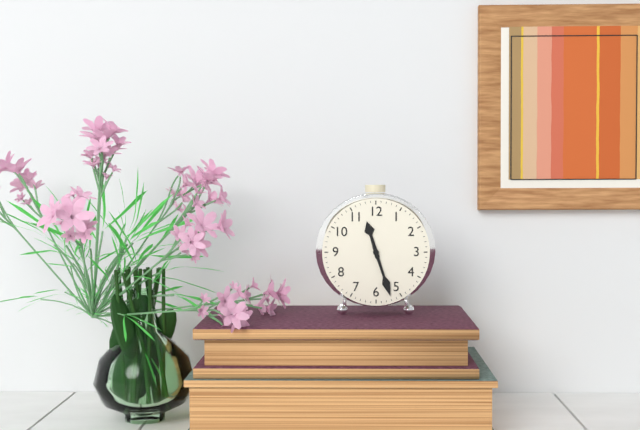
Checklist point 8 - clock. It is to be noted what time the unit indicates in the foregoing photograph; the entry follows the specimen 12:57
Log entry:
11:27
